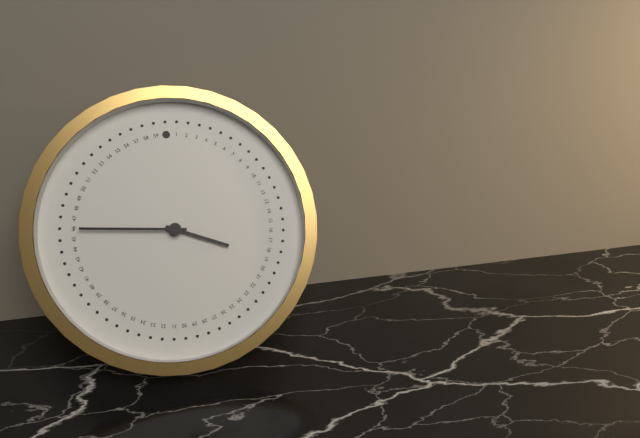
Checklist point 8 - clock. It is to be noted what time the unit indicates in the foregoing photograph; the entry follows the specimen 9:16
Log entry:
3:46
